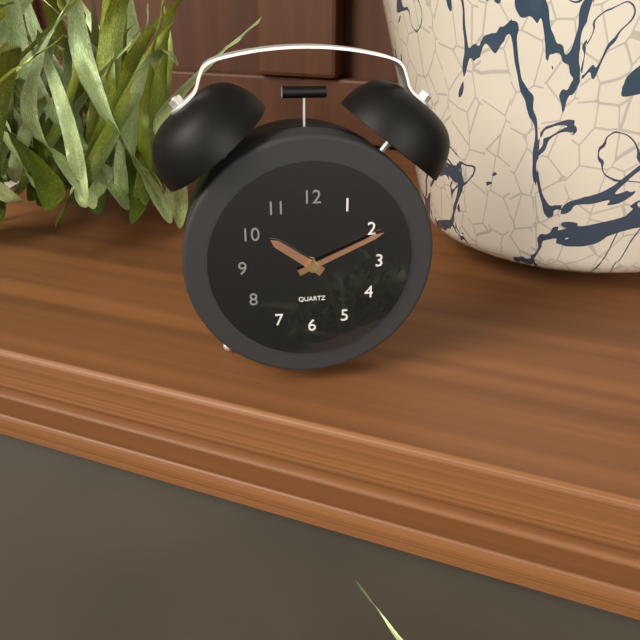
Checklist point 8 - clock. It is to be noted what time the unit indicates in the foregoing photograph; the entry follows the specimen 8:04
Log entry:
10:11
